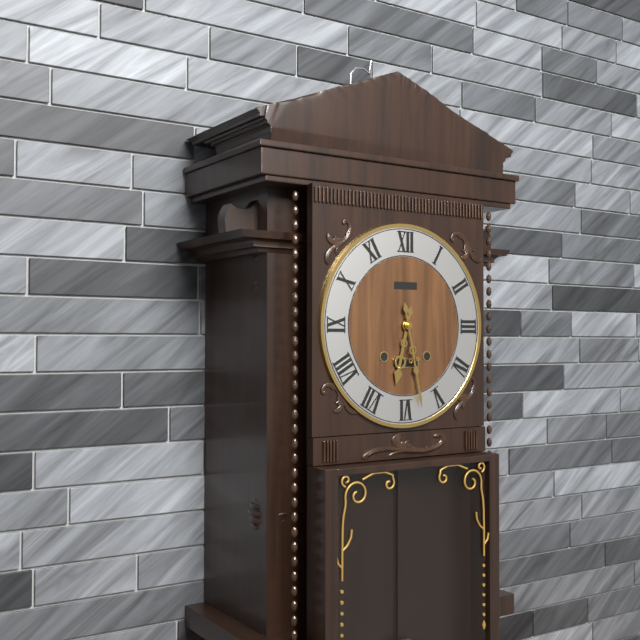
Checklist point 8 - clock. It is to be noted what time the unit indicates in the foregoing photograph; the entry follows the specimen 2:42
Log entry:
6:28
